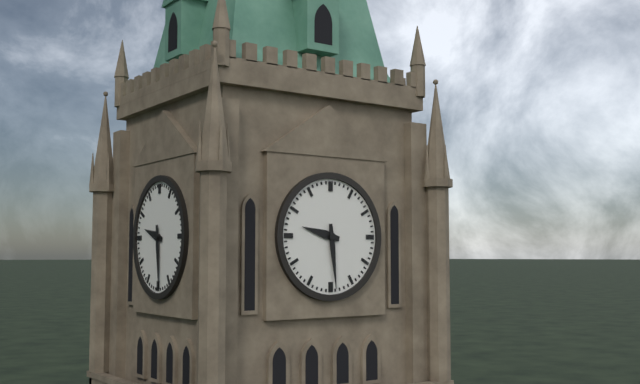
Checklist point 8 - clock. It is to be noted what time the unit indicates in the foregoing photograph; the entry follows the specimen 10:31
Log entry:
9:29
